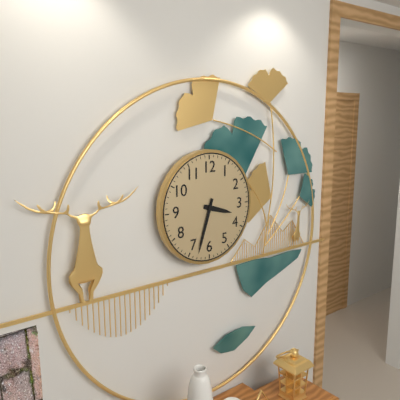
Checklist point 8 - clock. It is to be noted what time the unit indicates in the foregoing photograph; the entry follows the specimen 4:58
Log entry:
3:33
